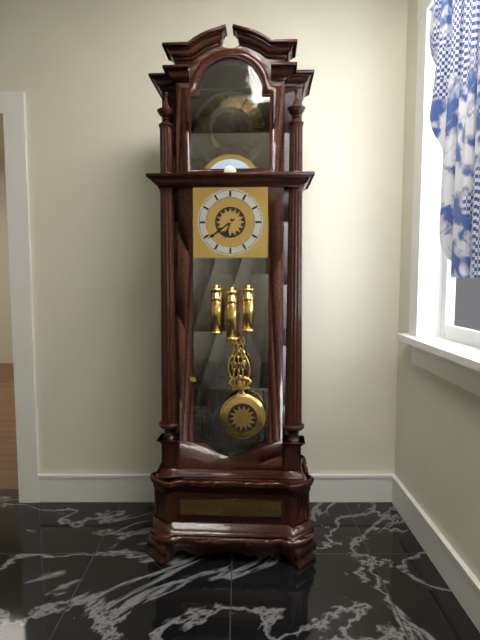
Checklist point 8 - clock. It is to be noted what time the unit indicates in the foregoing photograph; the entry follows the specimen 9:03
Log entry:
6:39
